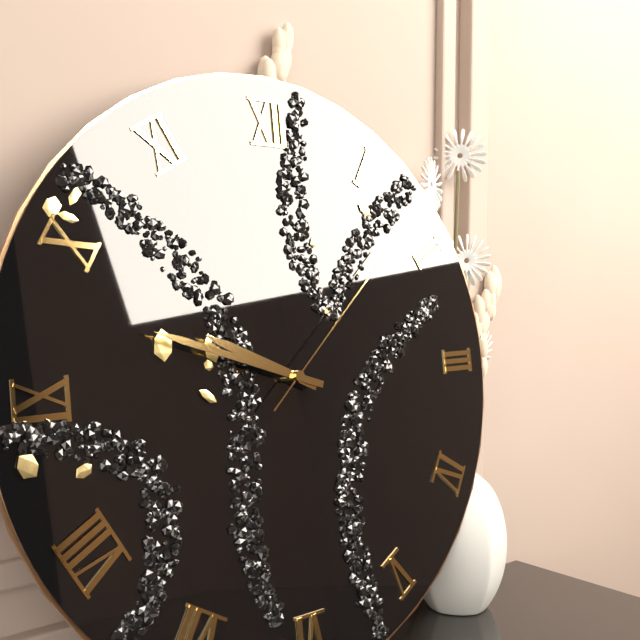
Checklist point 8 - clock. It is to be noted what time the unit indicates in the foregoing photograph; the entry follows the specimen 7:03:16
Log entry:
9:48:08
